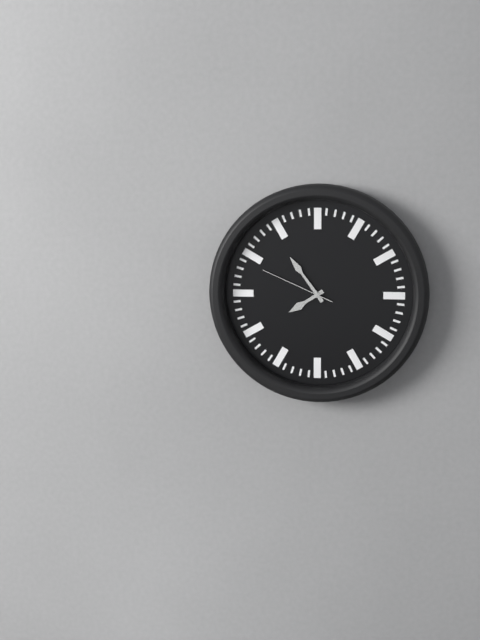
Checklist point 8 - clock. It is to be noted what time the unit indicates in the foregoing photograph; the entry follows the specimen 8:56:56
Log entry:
7:54:49
